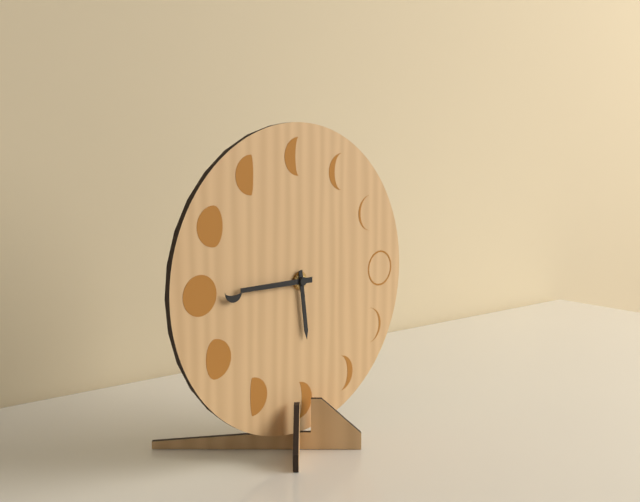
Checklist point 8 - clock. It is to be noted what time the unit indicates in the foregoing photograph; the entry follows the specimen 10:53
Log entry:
5:45
